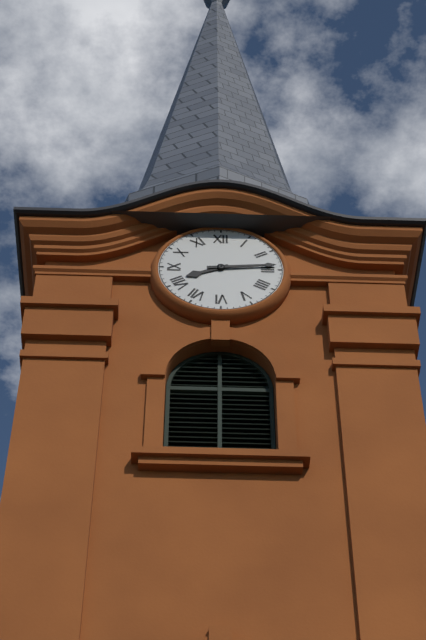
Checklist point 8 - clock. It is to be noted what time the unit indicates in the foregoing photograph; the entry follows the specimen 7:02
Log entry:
8:14
